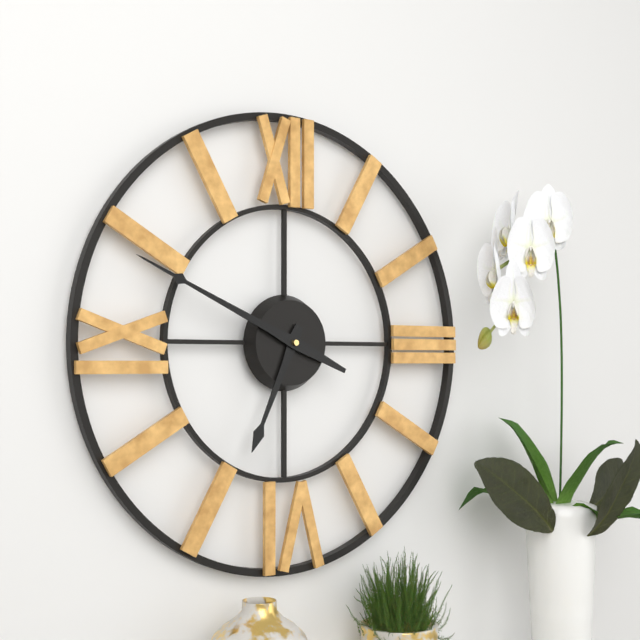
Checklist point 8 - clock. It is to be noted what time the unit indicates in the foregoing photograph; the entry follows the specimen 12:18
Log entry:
6:49
